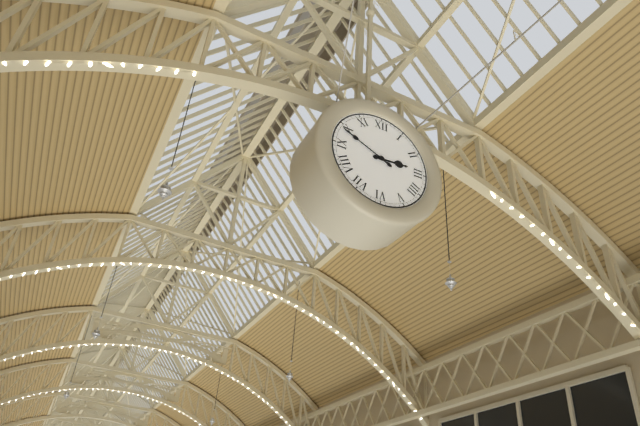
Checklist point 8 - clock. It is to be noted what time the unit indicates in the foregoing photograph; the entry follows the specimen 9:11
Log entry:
2:49
